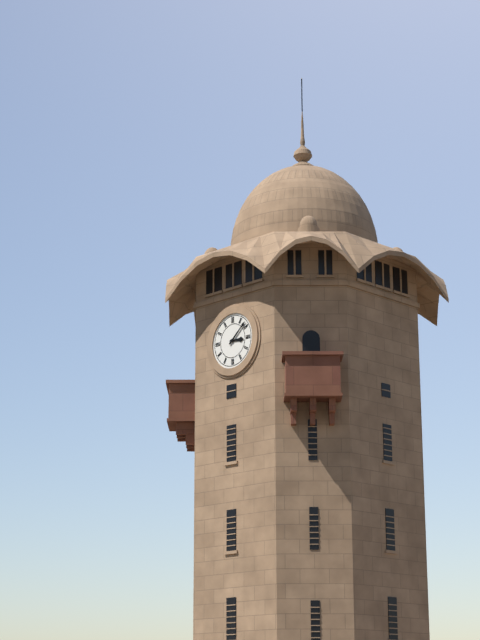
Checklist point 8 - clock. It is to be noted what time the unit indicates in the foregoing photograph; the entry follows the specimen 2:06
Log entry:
3:08
